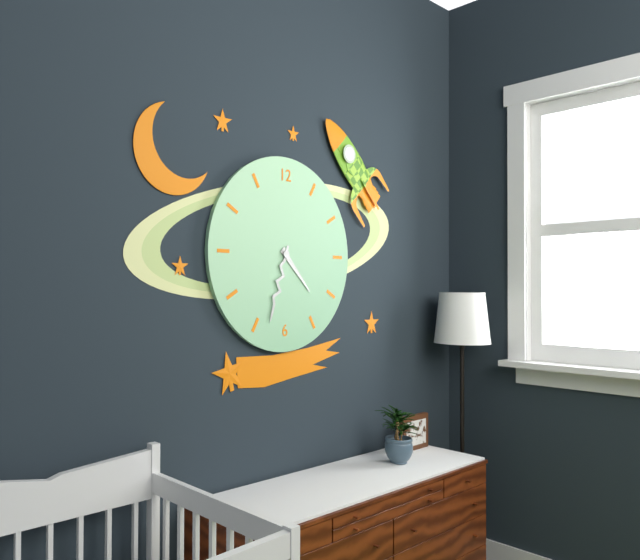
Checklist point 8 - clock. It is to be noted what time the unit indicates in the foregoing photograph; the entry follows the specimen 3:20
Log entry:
4:33
